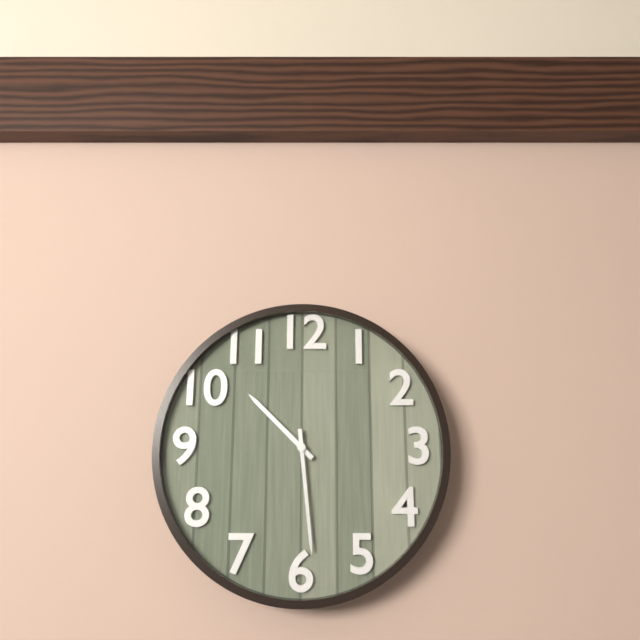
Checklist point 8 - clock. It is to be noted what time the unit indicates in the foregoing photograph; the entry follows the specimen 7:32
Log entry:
10:29
